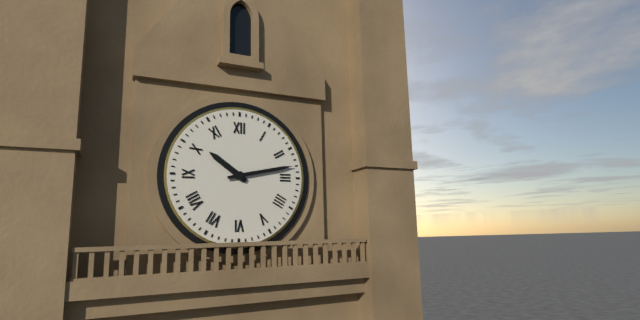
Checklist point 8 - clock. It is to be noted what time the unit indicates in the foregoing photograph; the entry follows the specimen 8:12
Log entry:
10:13
